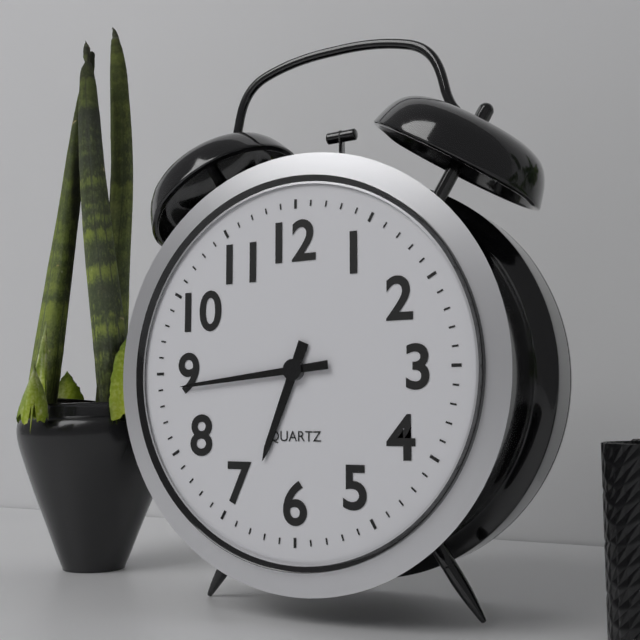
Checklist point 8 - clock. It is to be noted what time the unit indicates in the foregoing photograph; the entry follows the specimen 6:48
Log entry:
6:44
